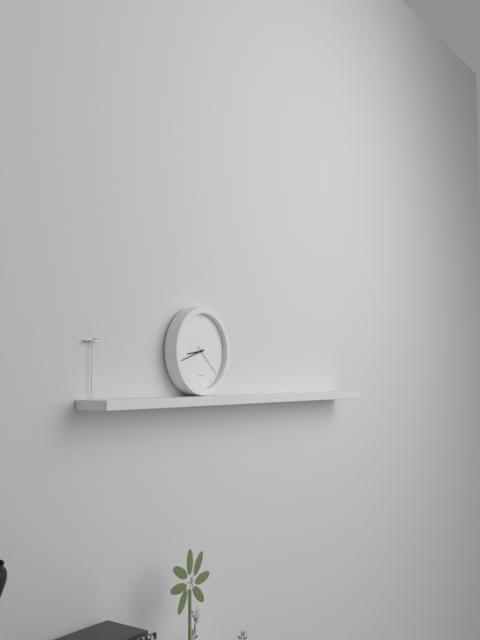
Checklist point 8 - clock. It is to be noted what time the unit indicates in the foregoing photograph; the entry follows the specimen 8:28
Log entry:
8:42
